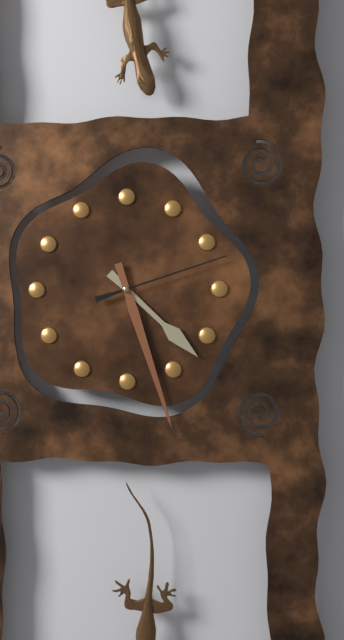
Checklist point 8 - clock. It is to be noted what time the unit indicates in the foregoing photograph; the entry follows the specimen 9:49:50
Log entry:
4:27:12
